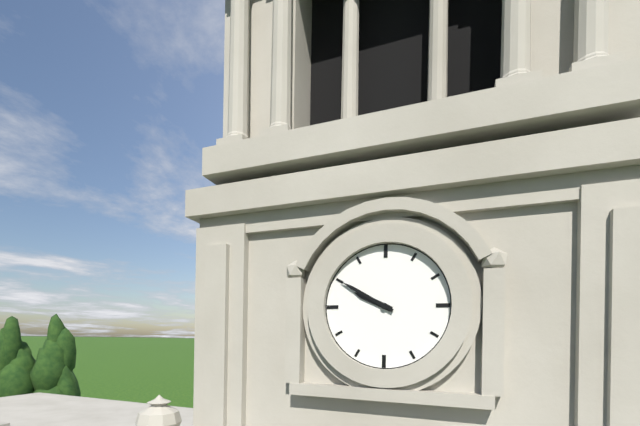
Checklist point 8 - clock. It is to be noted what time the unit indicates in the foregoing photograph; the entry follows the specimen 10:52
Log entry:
9:50
